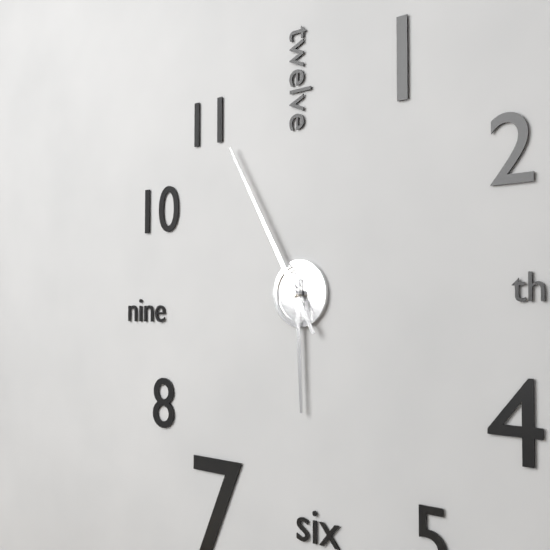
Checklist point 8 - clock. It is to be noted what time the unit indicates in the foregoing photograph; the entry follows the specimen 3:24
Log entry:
5:55
